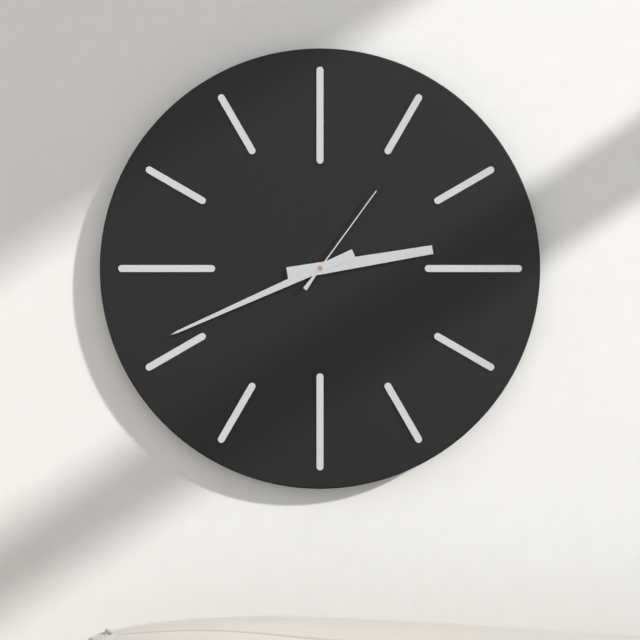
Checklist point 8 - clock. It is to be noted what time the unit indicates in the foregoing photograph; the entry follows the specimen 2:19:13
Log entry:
2:41:06
